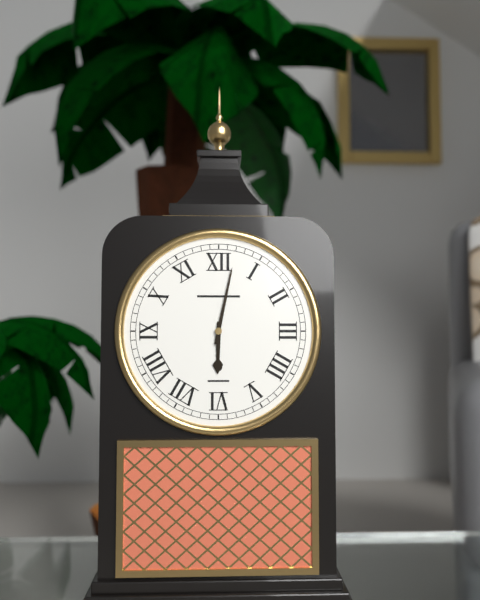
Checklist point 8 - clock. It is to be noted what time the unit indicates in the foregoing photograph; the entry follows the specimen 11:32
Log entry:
6:02
